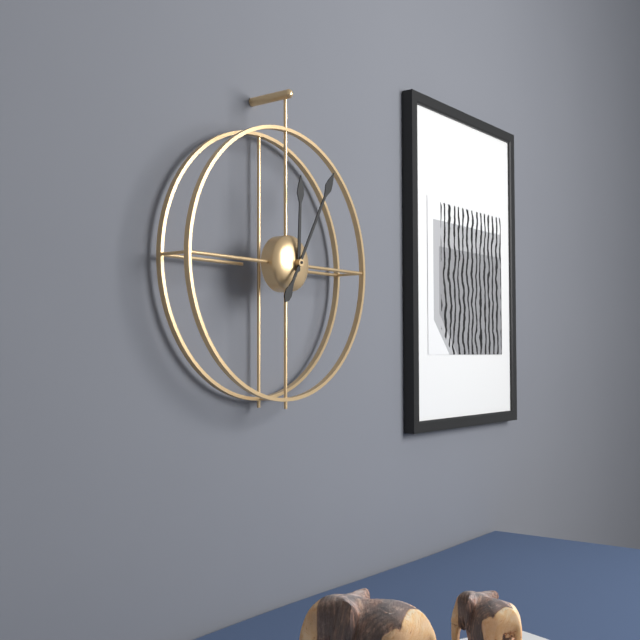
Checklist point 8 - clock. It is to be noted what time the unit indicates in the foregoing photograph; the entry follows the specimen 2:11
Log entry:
12:05
